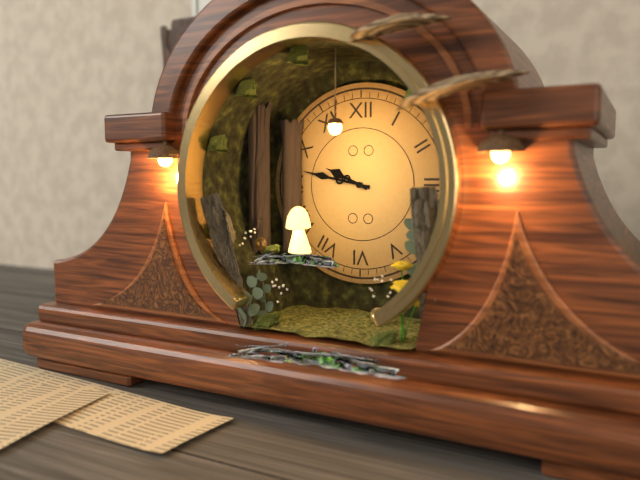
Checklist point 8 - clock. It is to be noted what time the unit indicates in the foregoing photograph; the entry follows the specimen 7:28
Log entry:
9:47
